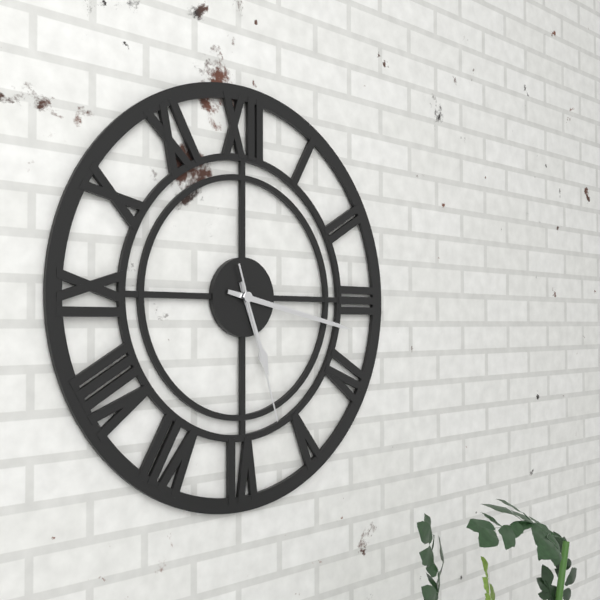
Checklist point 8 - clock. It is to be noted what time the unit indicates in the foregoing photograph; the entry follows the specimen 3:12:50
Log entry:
5:17:27
